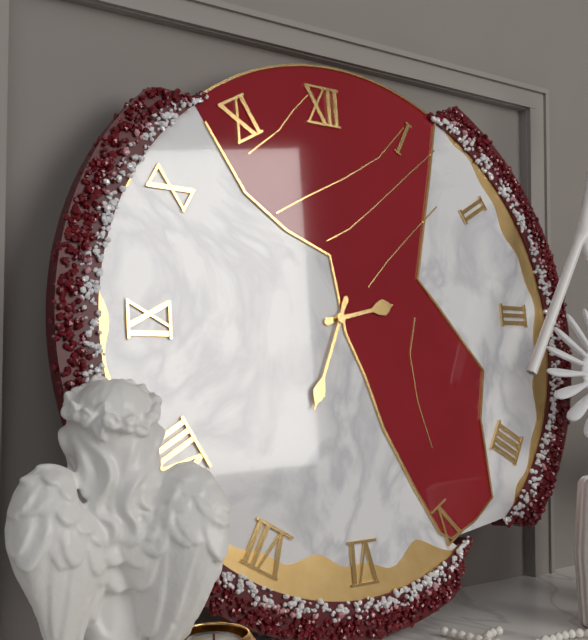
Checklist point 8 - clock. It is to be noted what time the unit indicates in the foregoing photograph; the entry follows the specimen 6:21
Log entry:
2:34
